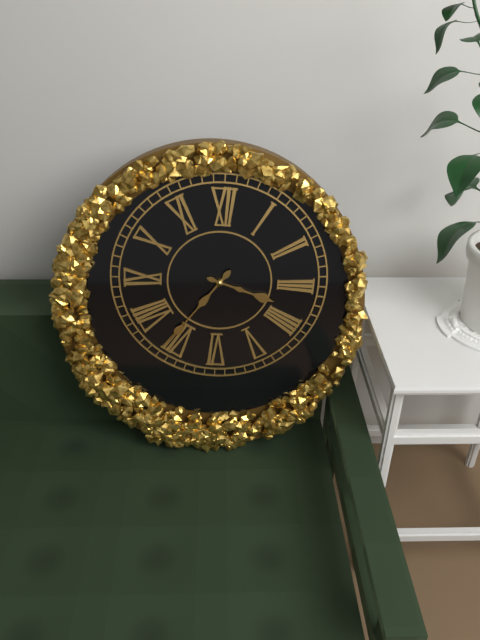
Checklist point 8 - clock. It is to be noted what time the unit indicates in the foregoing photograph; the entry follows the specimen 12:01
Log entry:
3:36
